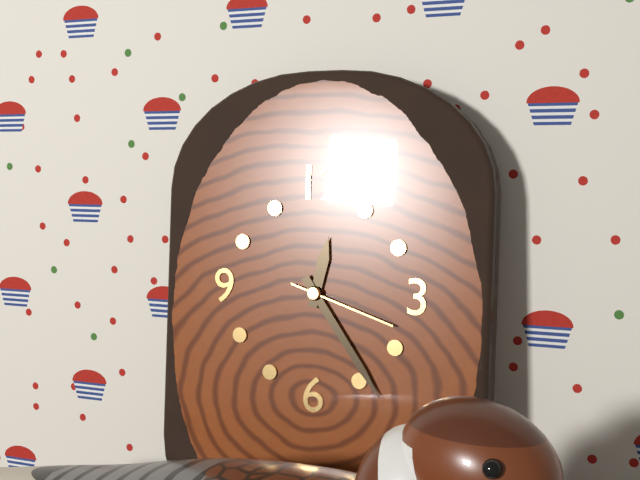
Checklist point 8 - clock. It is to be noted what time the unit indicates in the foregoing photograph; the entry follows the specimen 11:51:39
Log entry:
12:24:18
